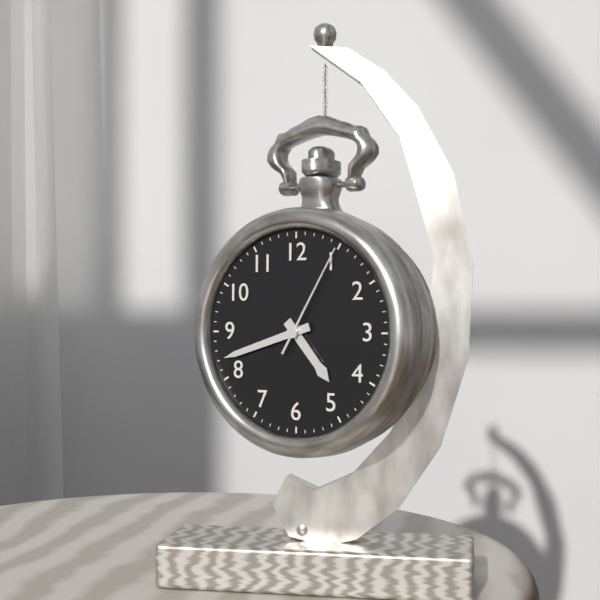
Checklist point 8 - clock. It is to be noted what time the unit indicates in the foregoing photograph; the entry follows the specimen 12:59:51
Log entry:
4:42:05
